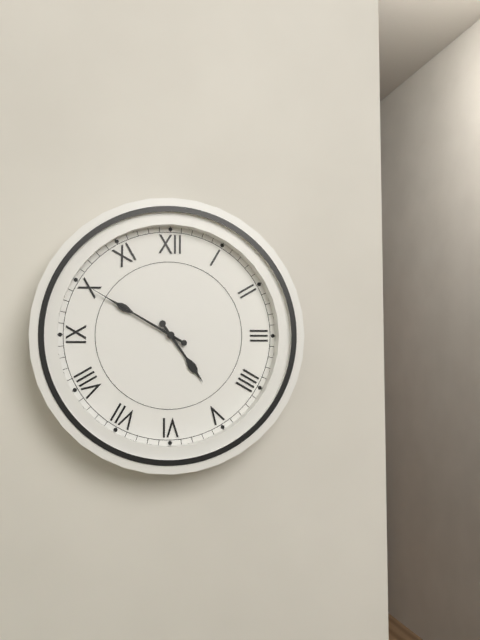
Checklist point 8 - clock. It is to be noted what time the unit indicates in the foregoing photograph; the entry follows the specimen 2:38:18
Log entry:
4:50:50
